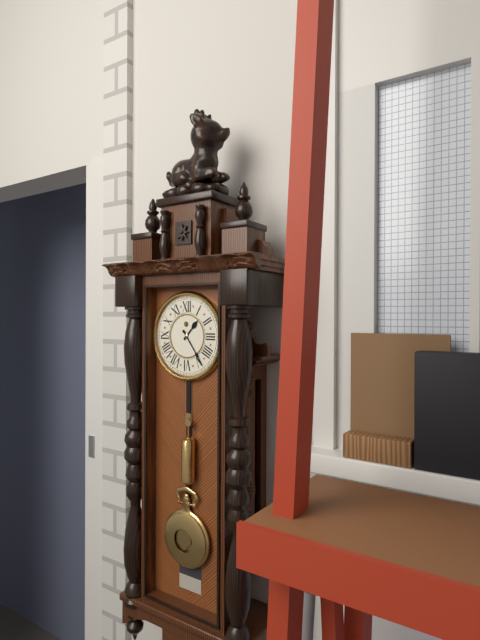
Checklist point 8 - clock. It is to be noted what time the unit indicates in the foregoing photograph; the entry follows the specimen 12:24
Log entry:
1:24
